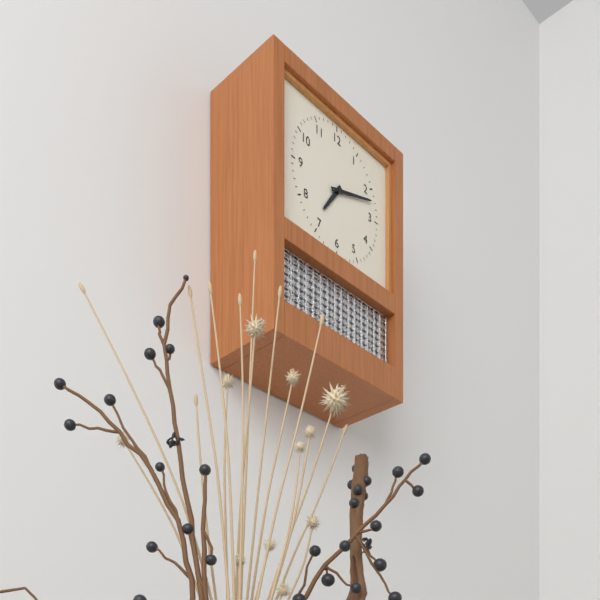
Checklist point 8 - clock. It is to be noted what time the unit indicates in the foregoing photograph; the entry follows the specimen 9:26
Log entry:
7:12
